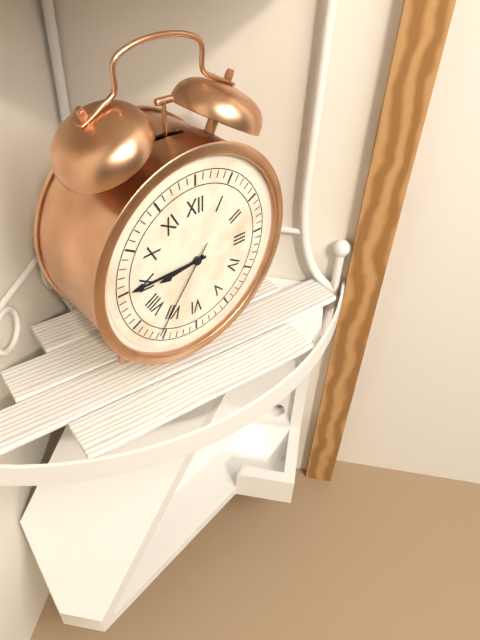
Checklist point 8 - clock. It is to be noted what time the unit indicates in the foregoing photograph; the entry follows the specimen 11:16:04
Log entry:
8:45:36
